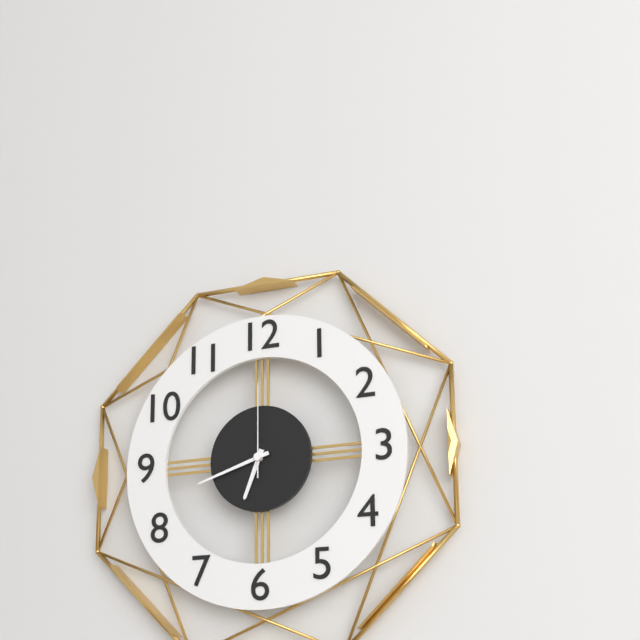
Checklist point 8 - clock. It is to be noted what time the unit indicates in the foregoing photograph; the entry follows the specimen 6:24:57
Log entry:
6:42:00
